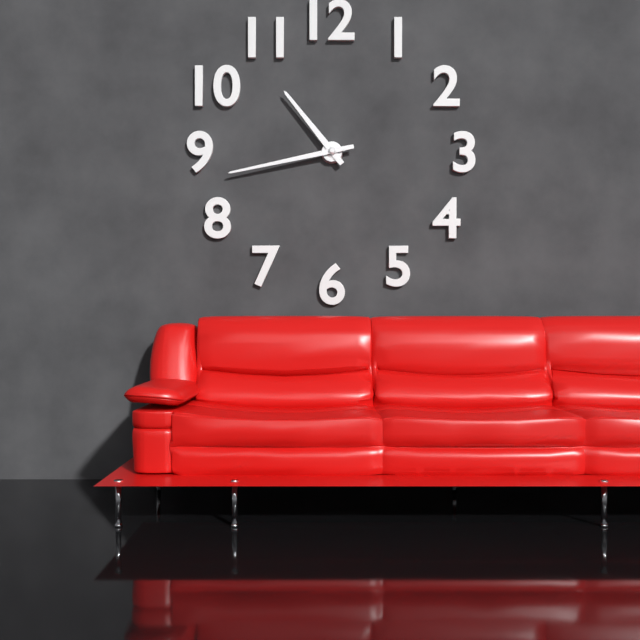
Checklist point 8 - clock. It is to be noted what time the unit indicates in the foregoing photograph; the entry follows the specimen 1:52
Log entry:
10:43
